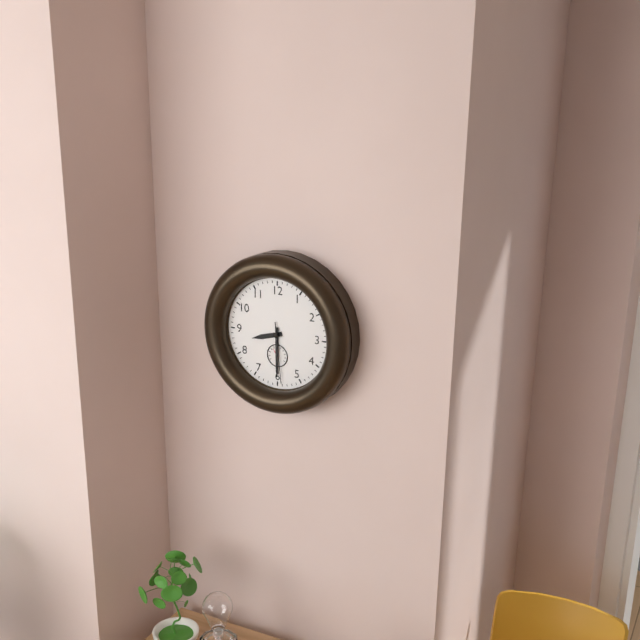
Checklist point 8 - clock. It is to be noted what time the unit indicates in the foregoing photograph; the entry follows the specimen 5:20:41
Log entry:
8:30:29
